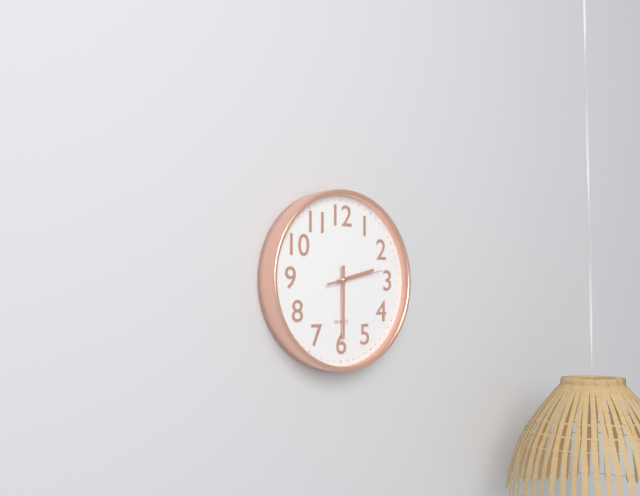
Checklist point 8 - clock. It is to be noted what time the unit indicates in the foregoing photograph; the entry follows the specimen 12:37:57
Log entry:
2:30:13
